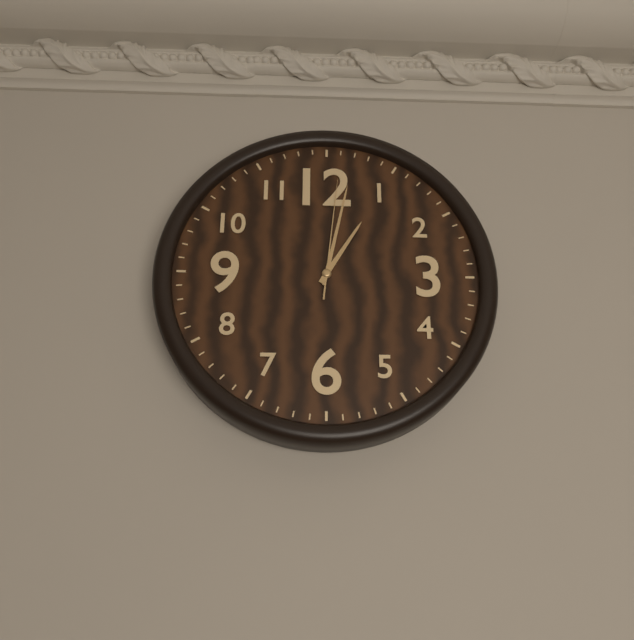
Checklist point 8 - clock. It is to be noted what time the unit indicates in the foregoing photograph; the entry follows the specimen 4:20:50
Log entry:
1:02:01
